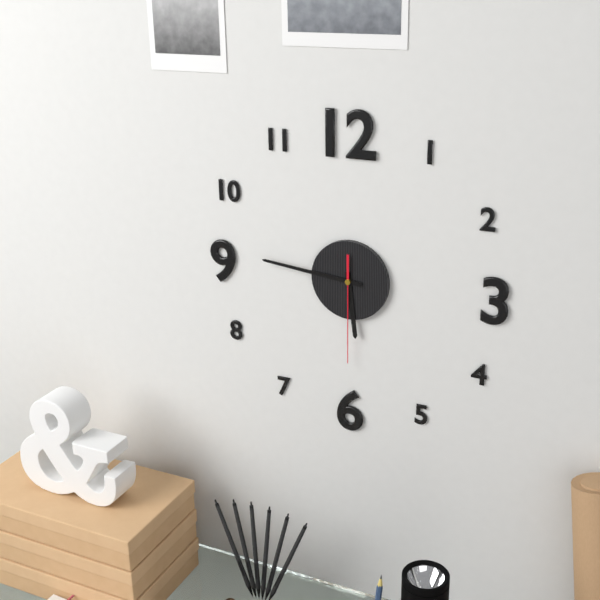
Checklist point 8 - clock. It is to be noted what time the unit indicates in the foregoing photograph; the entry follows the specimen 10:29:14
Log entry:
5:46:30
